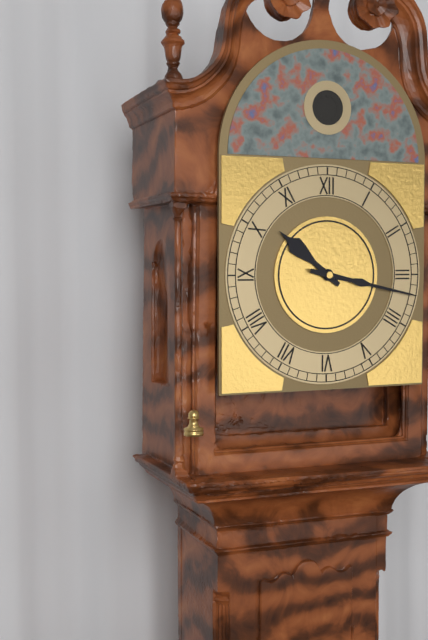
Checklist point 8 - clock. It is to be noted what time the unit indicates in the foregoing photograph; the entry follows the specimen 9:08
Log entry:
10:17
